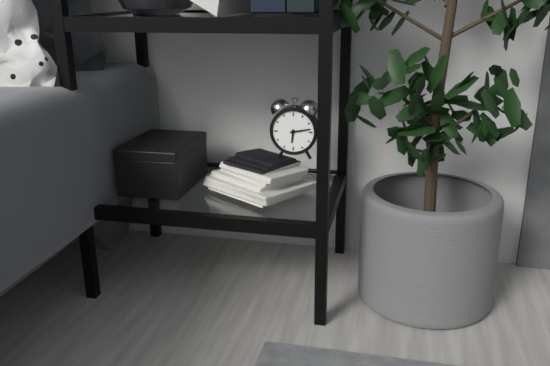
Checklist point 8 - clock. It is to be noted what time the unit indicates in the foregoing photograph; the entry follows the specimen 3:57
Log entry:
6:13
